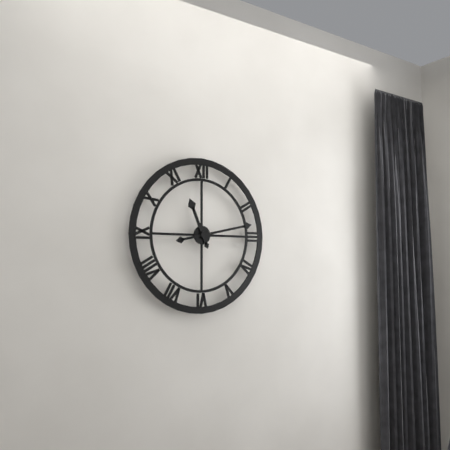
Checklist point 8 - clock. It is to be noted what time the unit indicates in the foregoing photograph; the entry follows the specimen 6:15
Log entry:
11:13
